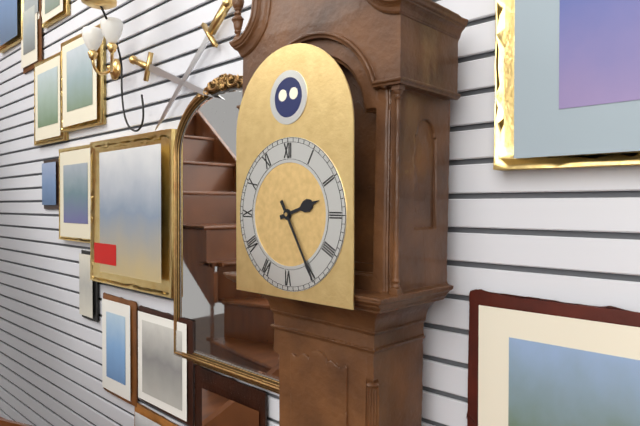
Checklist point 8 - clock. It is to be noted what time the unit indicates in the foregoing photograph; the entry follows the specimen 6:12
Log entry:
2:25
